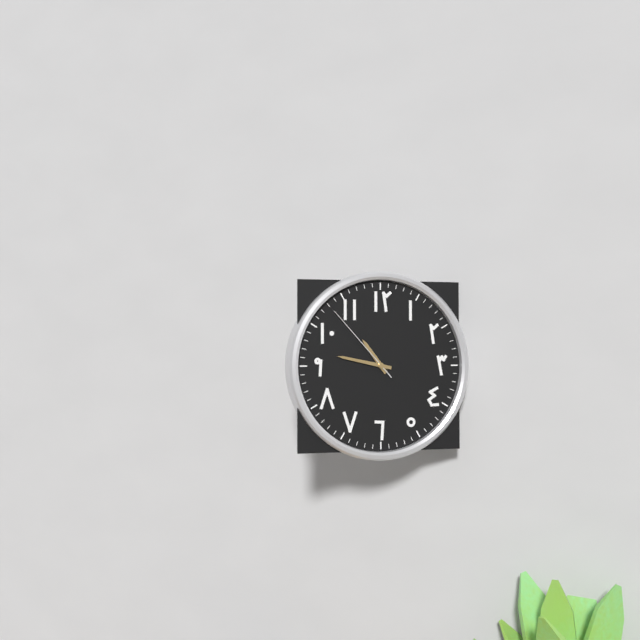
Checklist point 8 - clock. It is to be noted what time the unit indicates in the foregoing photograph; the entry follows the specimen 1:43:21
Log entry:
10:47:53
